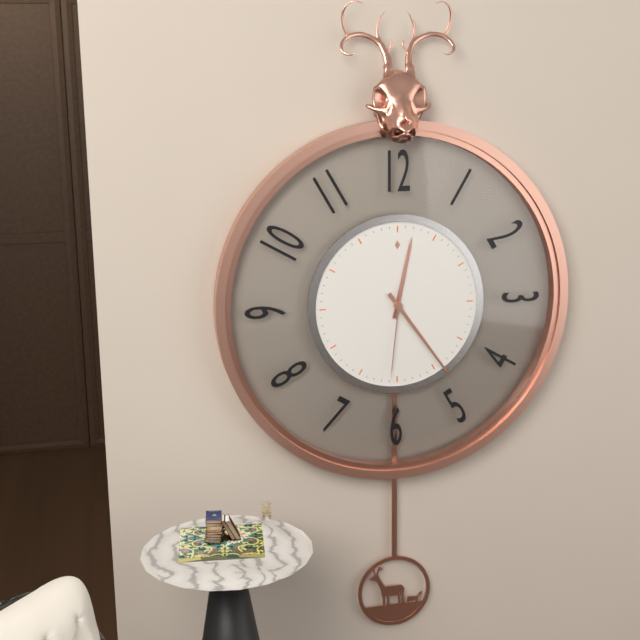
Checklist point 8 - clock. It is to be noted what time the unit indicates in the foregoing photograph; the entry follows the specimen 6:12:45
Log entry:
12:24:31
